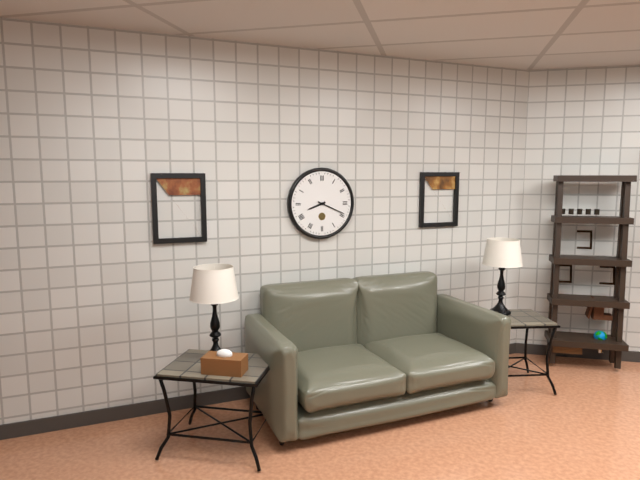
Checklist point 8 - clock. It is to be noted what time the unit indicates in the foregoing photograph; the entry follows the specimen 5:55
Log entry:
8:19
